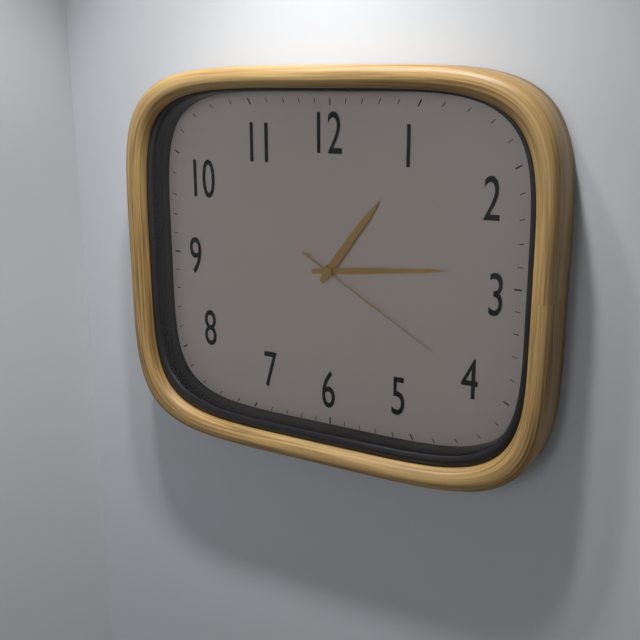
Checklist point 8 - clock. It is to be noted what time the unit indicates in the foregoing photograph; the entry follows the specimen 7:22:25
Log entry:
1:14:20
